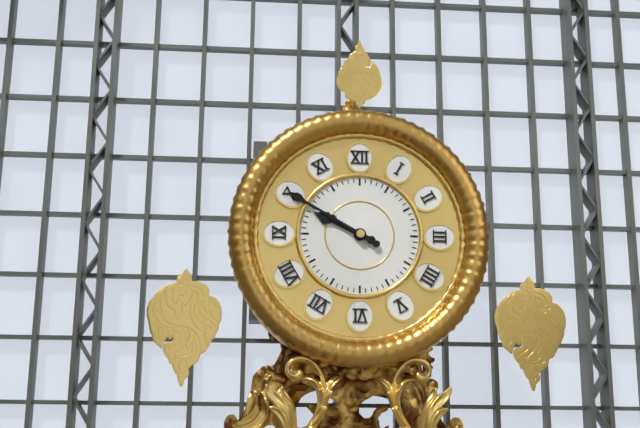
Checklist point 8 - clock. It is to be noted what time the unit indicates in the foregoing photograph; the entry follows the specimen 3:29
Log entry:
9:50
